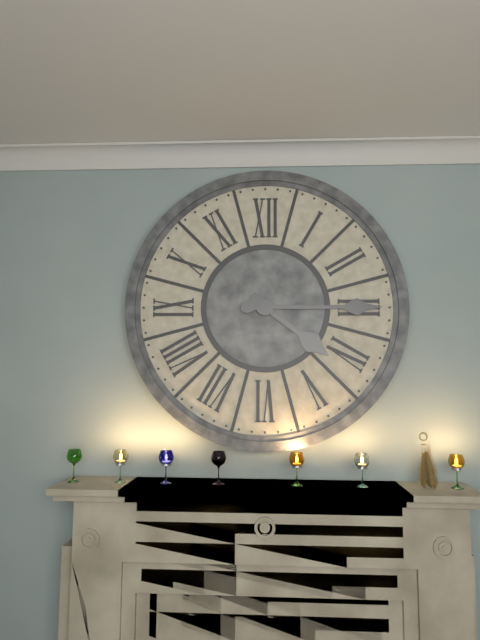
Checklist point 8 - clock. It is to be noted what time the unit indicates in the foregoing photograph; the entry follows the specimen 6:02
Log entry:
4:15
